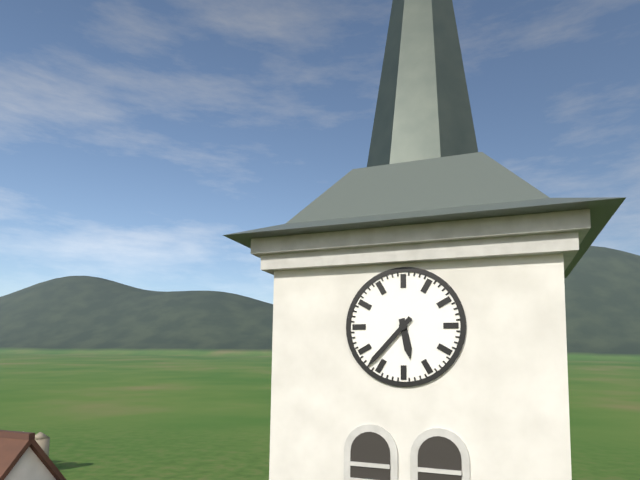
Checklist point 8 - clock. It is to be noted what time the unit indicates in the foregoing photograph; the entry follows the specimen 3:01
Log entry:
5:37
